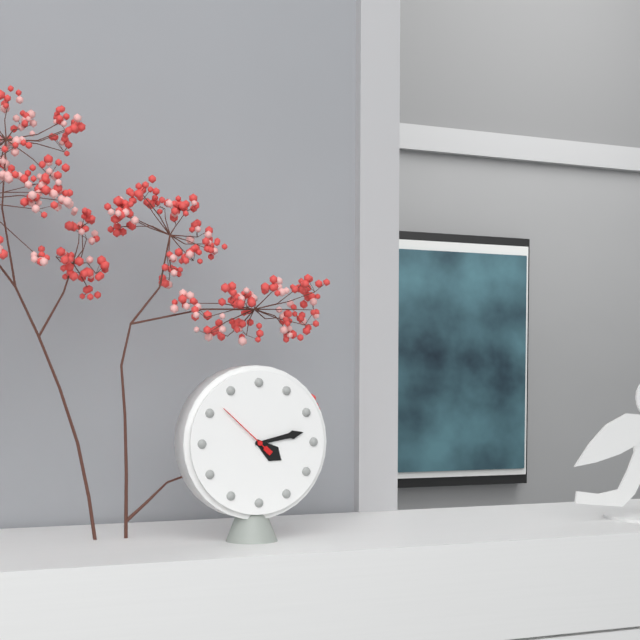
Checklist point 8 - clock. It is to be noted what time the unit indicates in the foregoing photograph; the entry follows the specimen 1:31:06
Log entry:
4:13:52
